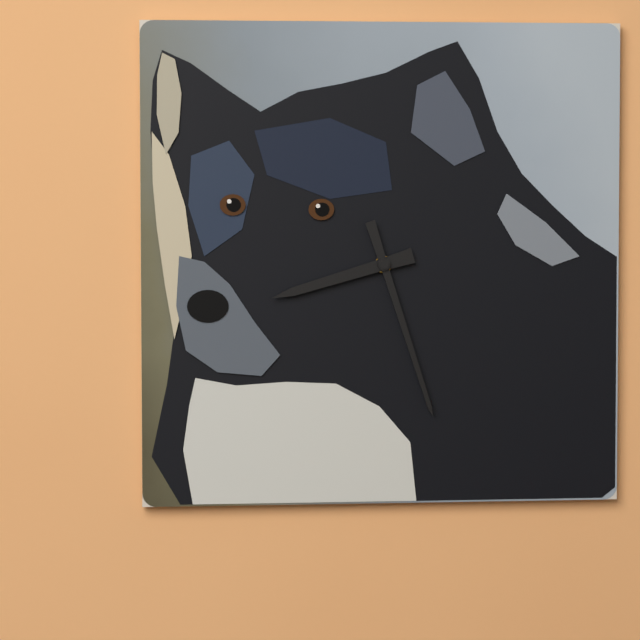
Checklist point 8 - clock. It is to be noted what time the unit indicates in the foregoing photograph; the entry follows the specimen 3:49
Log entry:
8:27
